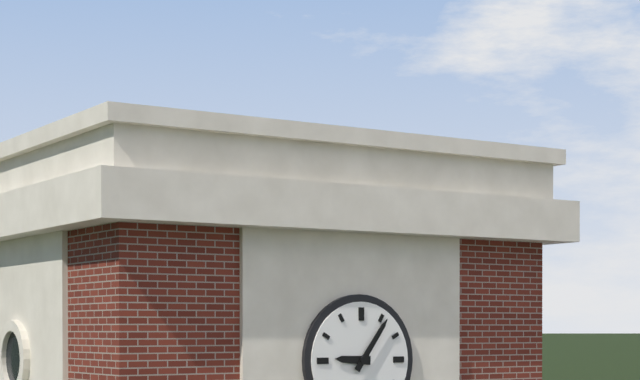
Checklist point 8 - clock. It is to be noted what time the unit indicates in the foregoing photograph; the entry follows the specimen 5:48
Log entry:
9:06
